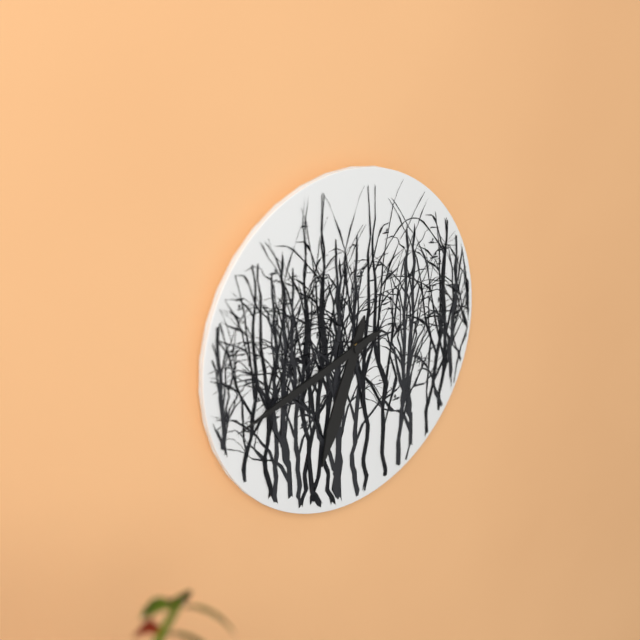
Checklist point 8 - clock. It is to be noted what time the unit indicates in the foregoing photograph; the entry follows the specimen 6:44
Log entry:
6:42
